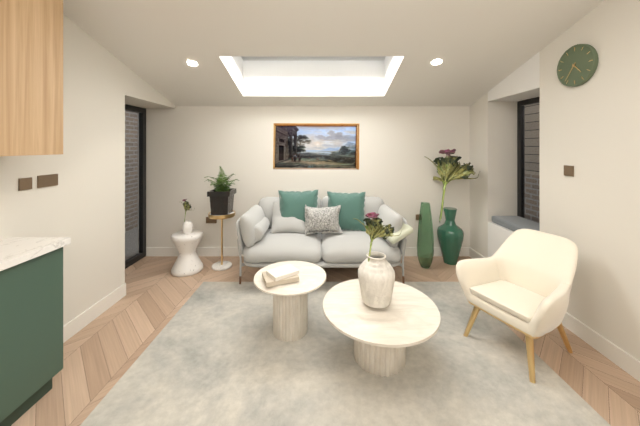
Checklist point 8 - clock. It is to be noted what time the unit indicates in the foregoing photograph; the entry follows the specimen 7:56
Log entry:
4:36
